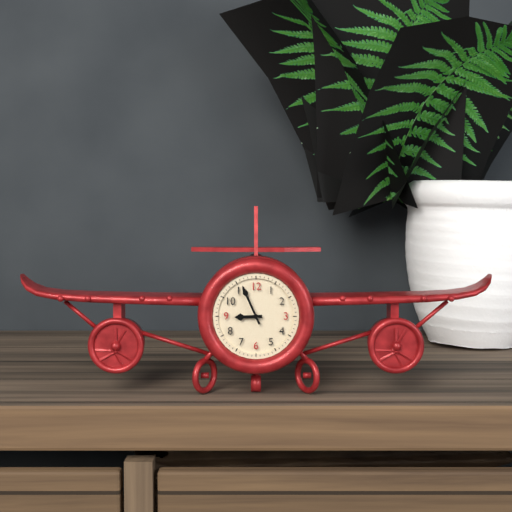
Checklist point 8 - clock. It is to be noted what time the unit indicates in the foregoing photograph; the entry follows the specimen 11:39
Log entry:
8:56
